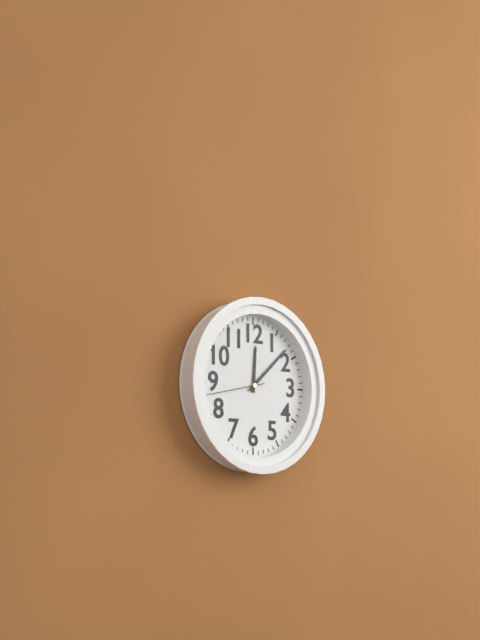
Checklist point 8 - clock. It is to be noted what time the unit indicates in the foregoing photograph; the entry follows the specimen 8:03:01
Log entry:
12:08:43
